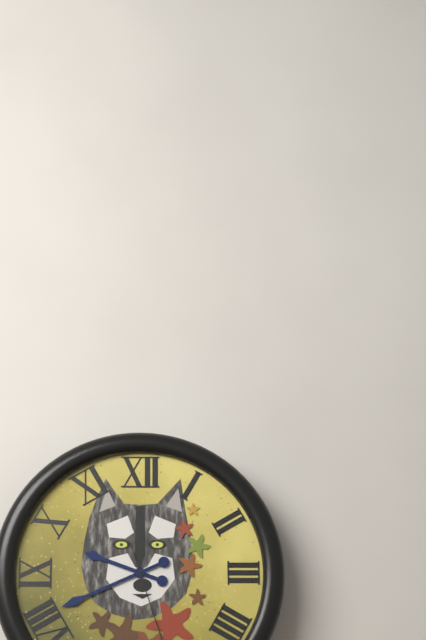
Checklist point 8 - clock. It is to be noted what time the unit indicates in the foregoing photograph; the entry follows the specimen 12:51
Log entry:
9:41
